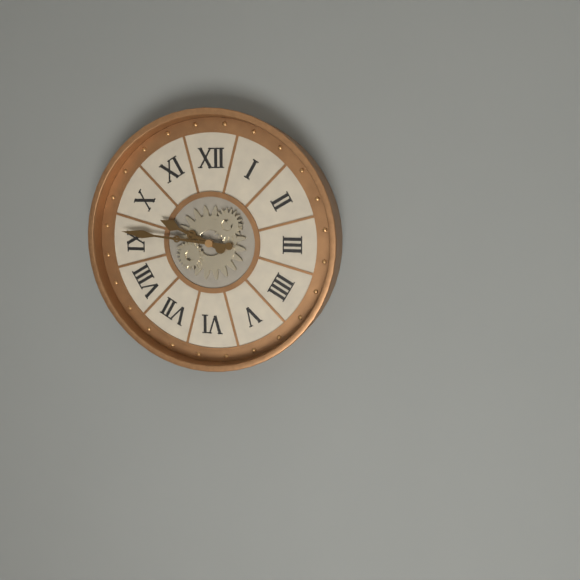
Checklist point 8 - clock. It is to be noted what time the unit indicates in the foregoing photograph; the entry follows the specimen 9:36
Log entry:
9:46
